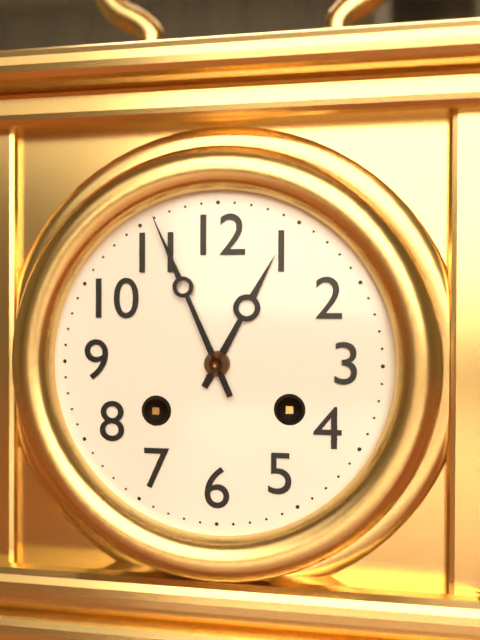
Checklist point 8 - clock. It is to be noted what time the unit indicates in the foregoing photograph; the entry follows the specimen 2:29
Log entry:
12:56
